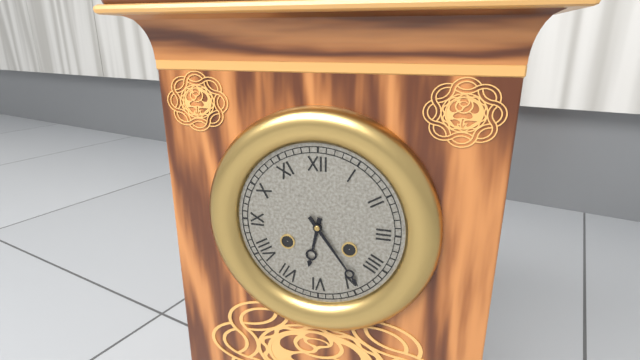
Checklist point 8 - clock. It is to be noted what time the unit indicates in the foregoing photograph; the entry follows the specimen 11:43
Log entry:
6:24
